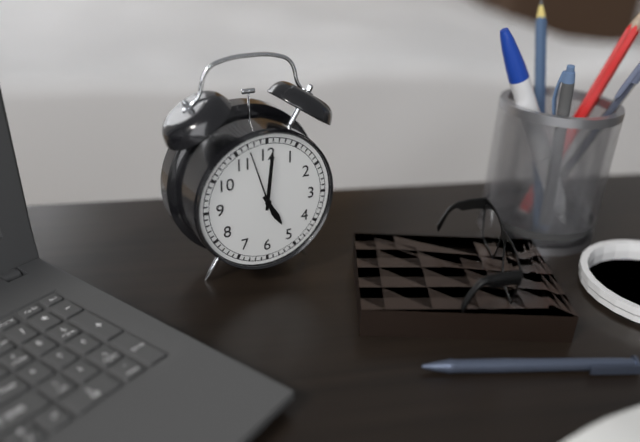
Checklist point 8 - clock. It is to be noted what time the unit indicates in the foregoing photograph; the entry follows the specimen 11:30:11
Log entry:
5:01:57
